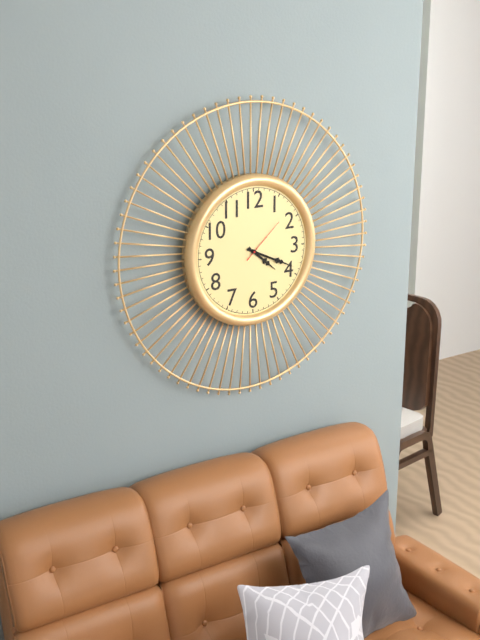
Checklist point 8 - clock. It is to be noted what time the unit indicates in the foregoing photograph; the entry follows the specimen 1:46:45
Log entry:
4:19:08
